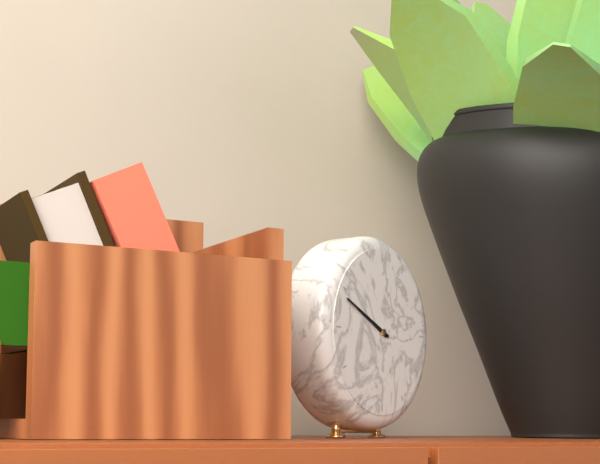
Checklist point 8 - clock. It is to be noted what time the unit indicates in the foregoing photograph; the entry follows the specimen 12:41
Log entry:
9:49
